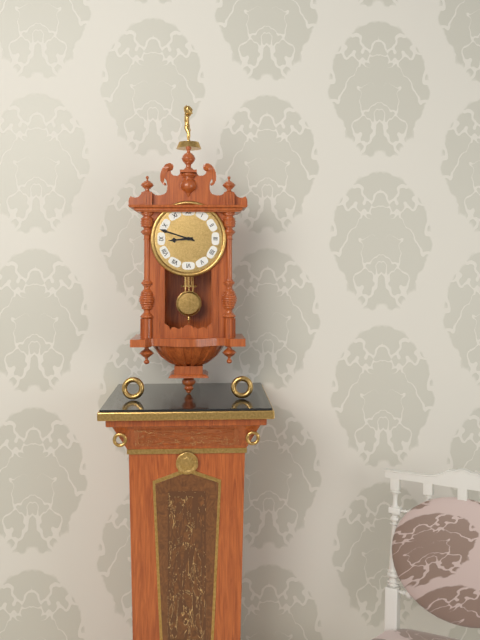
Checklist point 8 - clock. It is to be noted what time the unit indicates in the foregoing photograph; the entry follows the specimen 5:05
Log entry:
8:48
